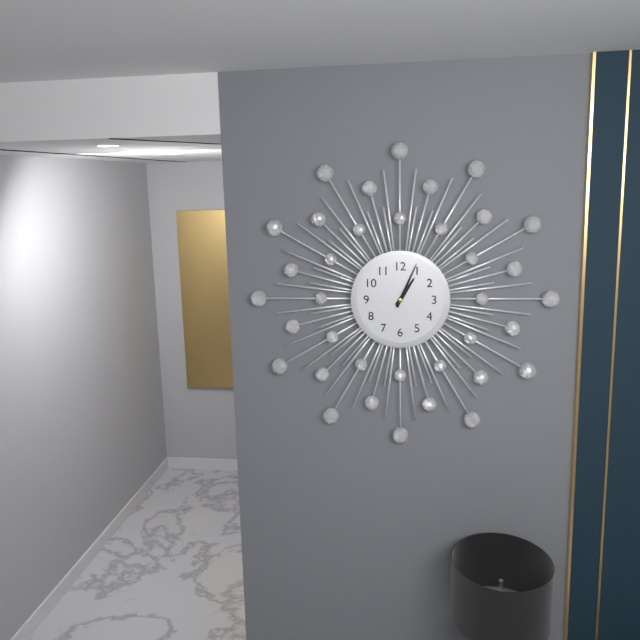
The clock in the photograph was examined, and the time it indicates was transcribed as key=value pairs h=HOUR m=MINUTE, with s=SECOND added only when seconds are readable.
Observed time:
h=1 m=4
